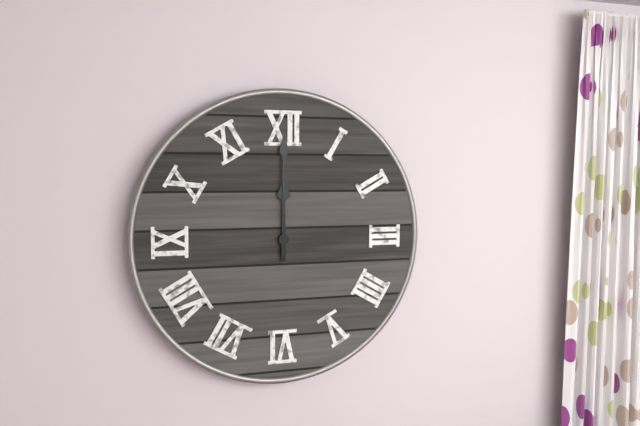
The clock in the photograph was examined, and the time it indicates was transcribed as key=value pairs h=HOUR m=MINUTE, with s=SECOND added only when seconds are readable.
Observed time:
h=12 m=0
